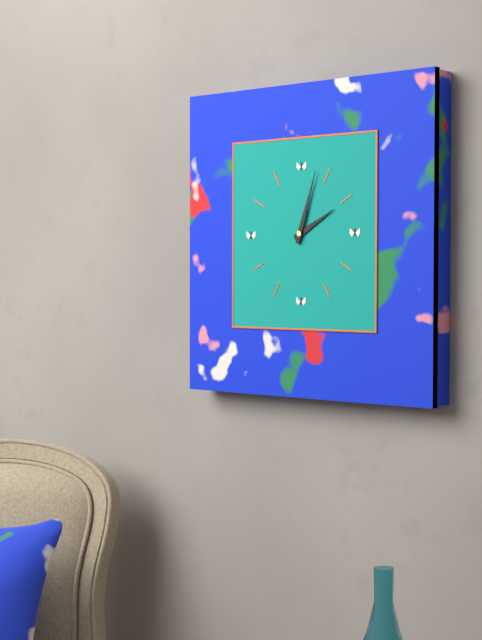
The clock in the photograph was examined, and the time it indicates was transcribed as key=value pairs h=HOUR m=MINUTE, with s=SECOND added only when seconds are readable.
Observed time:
h=2 m=3
